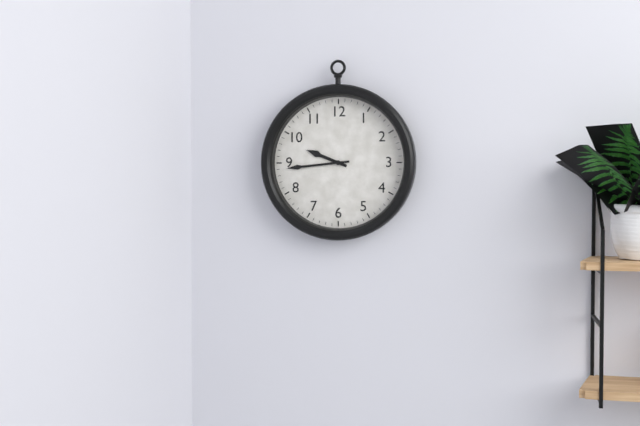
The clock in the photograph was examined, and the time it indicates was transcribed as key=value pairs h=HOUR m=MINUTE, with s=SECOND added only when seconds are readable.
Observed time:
h=9 m=44
